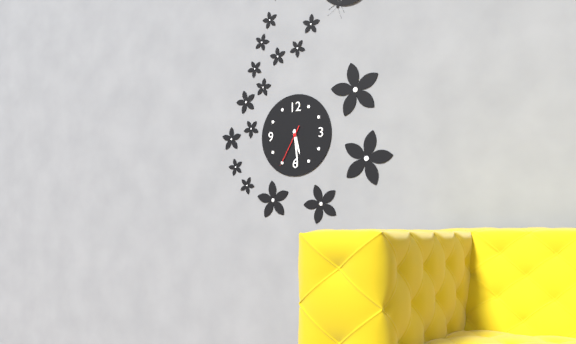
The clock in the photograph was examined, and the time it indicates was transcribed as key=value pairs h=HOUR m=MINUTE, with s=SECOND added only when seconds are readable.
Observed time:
h=5 m=29
